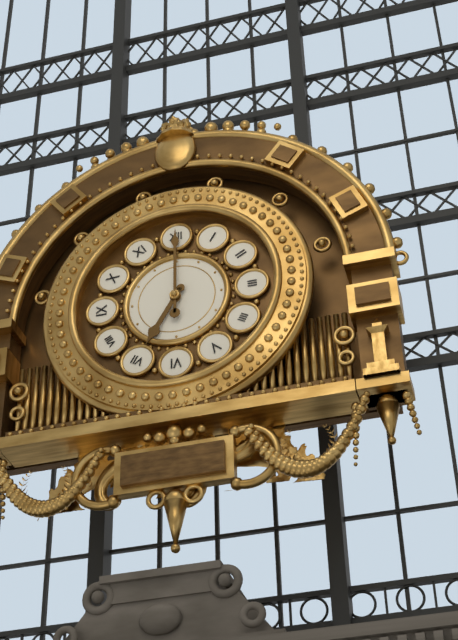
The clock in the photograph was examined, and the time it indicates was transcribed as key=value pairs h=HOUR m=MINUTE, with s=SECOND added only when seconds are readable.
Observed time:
h=7 m=0
